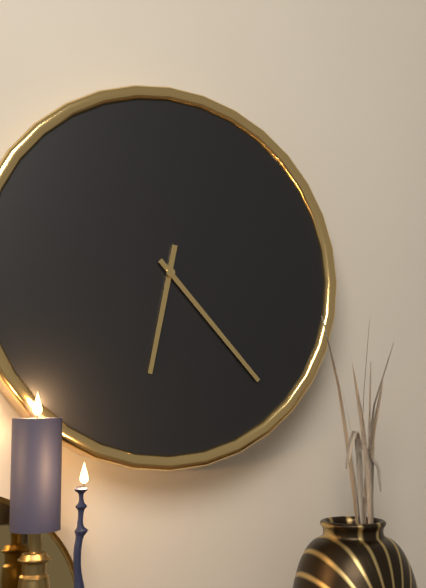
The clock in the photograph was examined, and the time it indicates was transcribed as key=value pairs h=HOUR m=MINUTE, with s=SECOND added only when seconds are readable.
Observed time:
h=6 m=23
